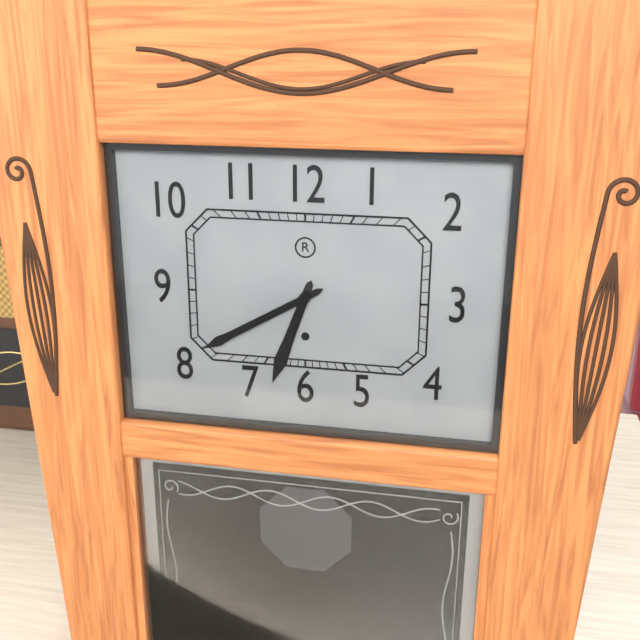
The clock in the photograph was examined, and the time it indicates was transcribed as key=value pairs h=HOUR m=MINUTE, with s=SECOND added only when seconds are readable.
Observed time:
h=6 m=40
